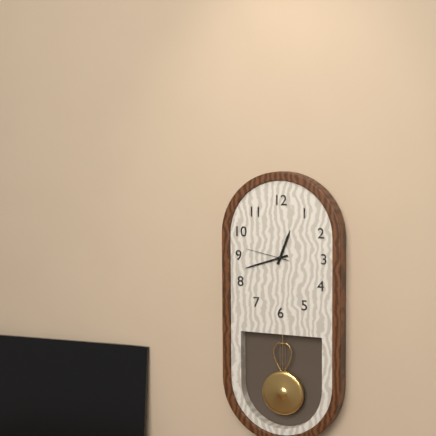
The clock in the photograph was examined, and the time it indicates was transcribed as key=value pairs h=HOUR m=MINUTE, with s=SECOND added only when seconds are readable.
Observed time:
h=12 m=42
